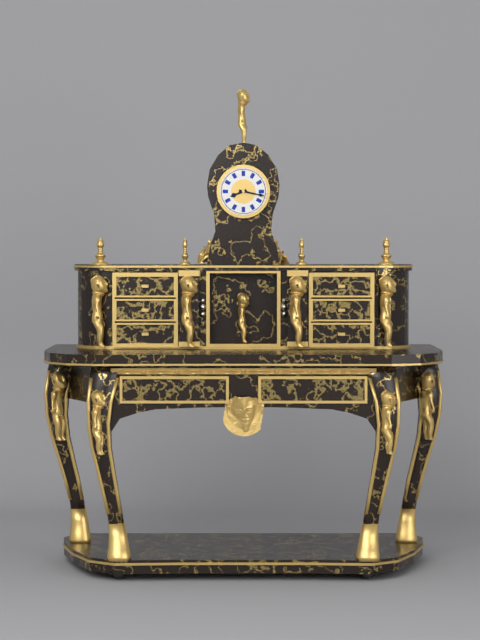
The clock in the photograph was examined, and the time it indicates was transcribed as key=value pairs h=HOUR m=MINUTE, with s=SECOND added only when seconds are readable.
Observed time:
h=8 m=17
